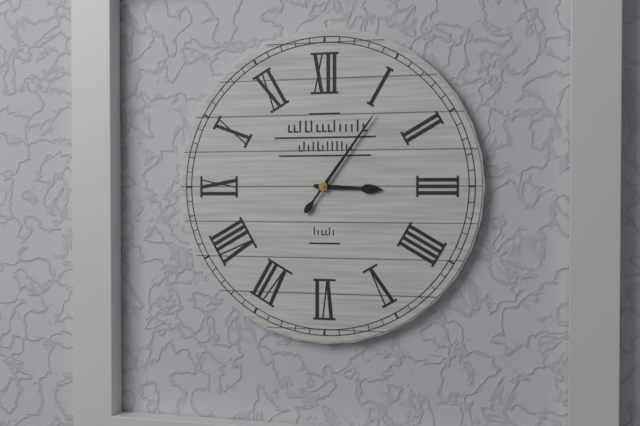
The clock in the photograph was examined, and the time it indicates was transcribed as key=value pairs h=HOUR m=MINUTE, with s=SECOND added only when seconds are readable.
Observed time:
h=3 m=6
